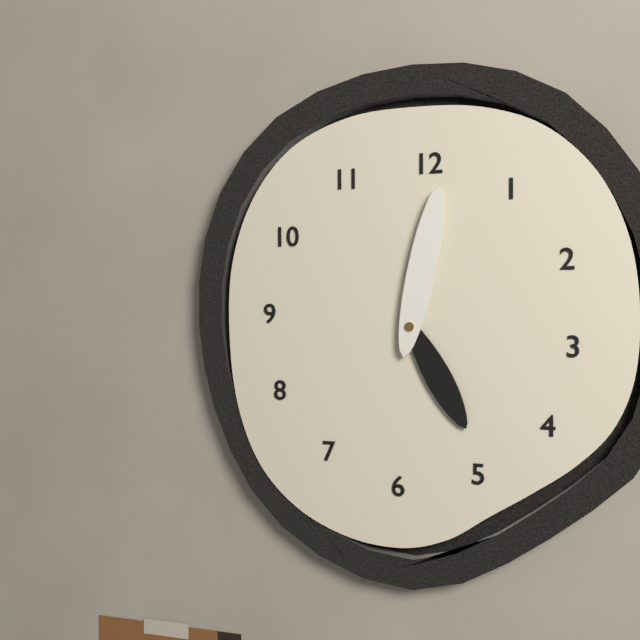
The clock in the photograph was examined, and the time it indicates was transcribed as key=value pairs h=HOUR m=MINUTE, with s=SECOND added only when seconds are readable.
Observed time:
h=5 m=2
